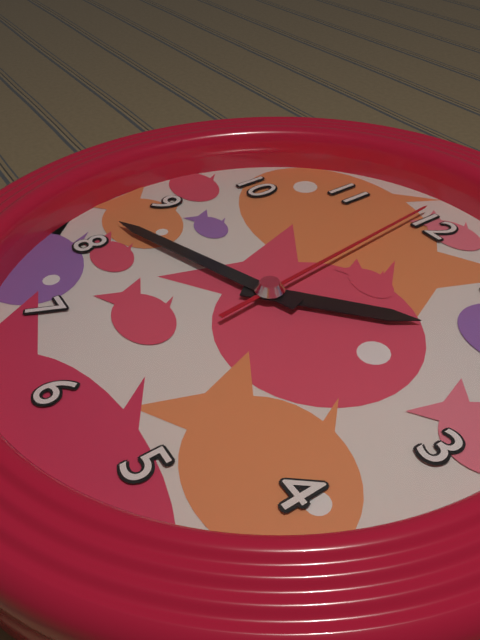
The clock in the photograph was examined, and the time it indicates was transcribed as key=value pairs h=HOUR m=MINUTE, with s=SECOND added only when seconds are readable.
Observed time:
h=1 m=42 s=59
